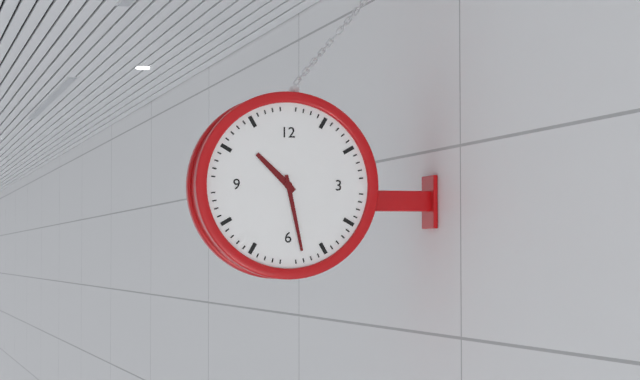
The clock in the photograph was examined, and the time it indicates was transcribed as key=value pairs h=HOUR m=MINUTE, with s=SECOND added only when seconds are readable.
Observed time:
h=10 m=28
